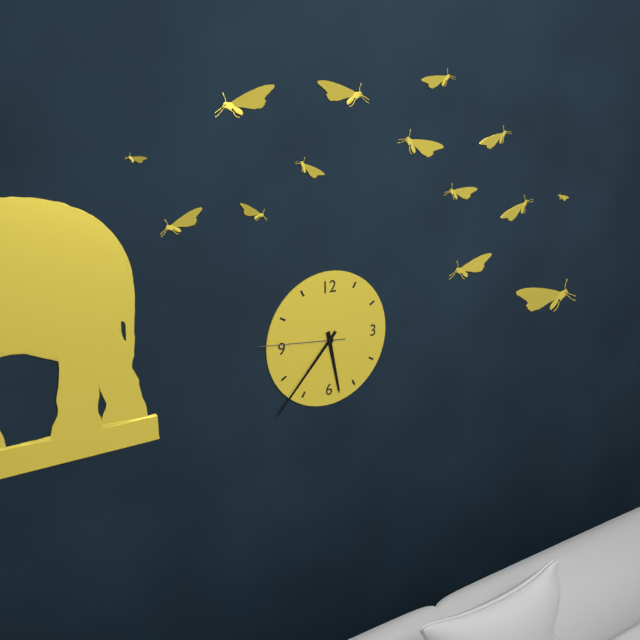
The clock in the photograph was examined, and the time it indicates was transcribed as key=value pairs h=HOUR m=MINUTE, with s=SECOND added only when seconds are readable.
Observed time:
h=5 m=37 s=46
